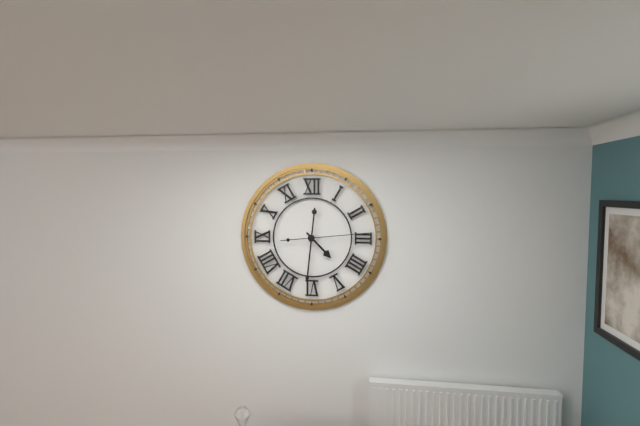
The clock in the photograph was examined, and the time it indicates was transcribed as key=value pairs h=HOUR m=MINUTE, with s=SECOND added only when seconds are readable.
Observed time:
h=4 m=31 s=14
